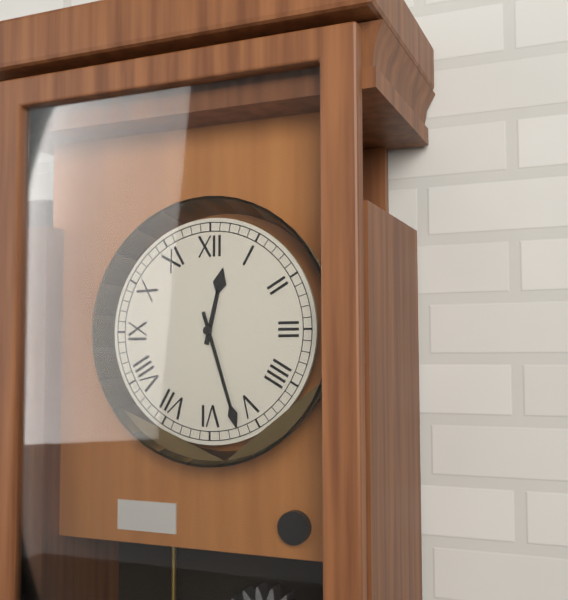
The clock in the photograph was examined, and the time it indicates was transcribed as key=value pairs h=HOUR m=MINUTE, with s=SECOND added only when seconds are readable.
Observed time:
h=12 m=27
